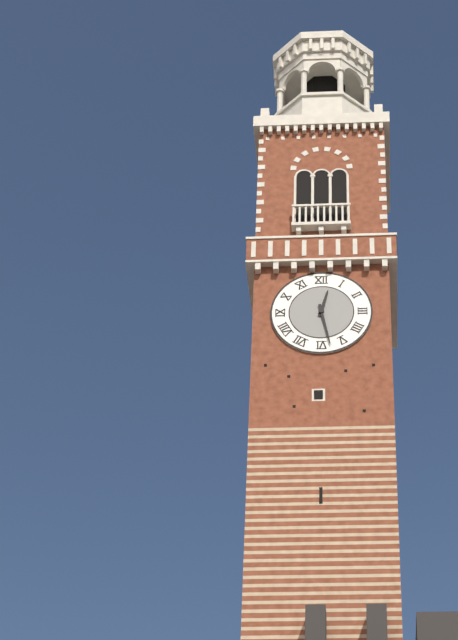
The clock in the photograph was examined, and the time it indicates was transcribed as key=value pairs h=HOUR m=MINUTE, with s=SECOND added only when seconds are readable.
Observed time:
h=12 m=28
